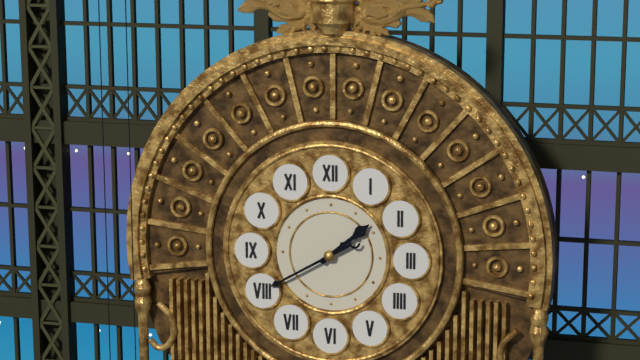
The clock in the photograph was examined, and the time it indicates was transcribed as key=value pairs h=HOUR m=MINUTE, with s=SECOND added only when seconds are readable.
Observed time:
h=1 m=40
